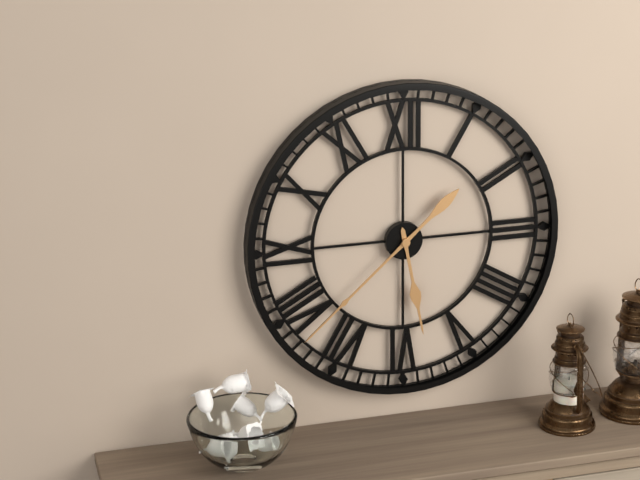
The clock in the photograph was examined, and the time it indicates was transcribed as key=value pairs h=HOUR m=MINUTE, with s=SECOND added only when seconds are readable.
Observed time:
h=5 m=38
